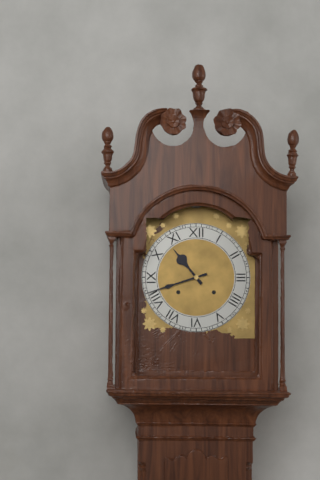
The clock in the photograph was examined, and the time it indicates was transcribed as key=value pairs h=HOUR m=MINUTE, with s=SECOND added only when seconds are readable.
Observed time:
h=10 m=42
